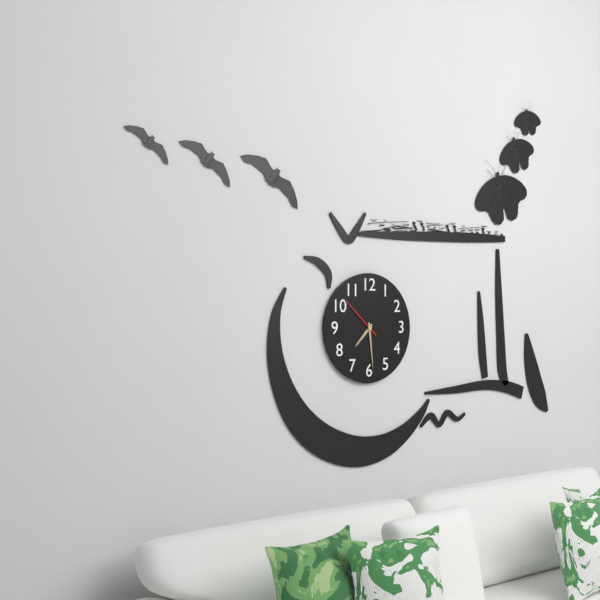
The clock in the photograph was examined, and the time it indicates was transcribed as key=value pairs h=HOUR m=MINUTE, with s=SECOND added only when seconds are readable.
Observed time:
h=7 m=29
